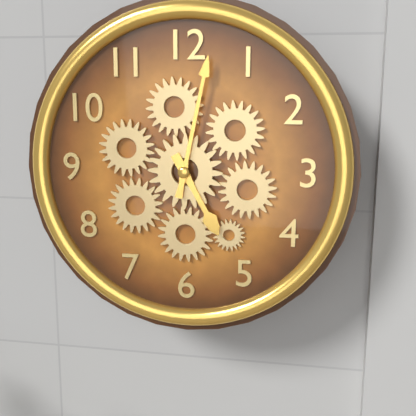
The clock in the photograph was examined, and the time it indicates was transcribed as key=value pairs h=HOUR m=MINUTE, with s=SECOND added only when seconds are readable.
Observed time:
h=5 m=2
